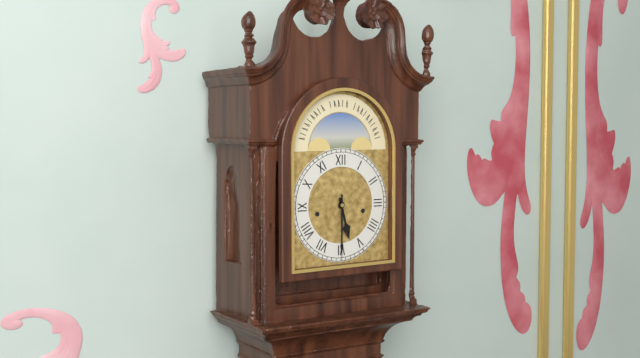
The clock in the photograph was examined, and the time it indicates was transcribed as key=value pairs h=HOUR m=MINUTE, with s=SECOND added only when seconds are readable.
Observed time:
h=5 m=30
